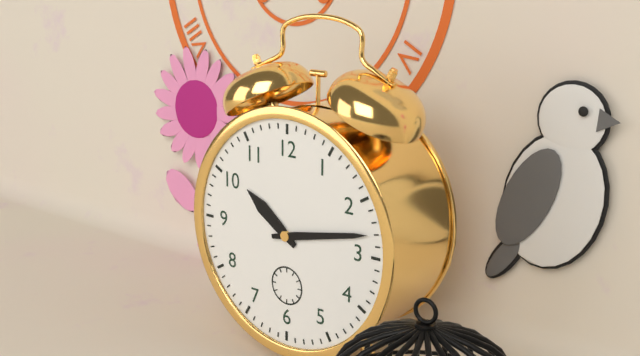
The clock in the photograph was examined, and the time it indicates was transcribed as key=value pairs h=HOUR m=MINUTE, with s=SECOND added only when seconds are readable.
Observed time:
h=10 m=13
